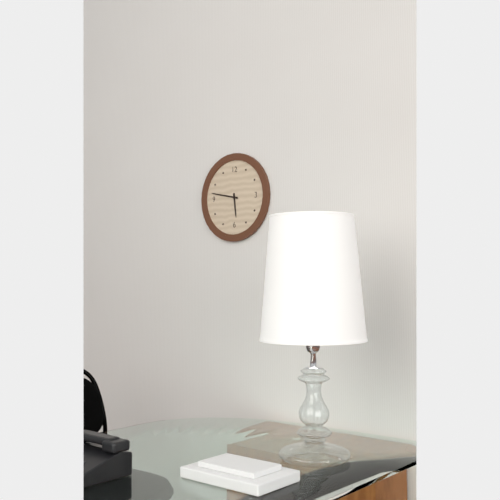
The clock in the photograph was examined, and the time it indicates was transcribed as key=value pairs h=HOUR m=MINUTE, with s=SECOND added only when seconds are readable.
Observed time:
h=5 m=47
